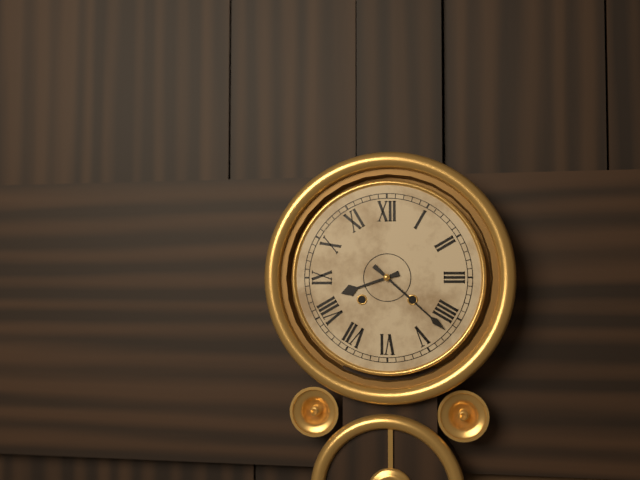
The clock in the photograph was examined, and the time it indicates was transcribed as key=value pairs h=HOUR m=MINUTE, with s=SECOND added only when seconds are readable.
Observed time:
h=8 m=22
